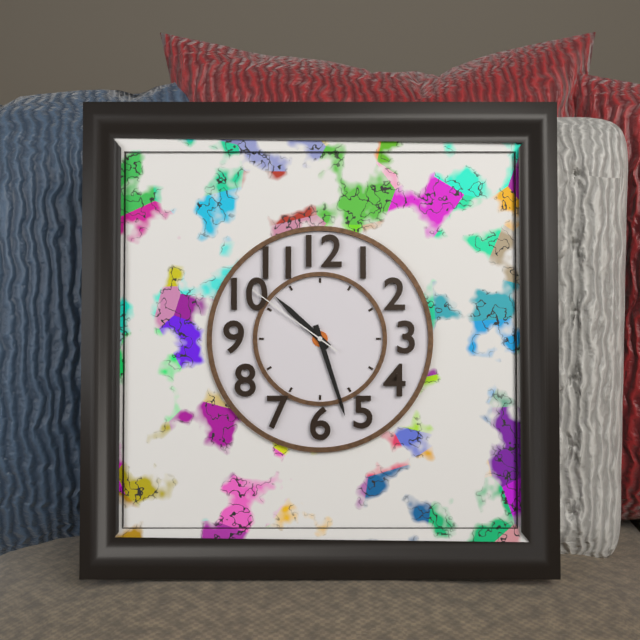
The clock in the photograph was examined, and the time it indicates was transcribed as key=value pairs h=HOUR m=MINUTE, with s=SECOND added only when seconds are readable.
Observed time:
h=10 m=27 s=51
